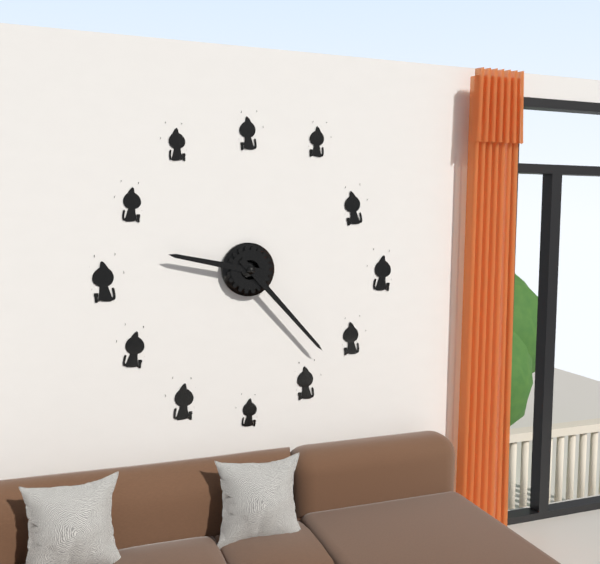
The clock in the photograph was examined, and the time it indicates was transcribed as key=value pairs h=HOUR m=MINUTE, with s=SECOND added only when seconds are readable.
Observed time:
h=9 m=23
